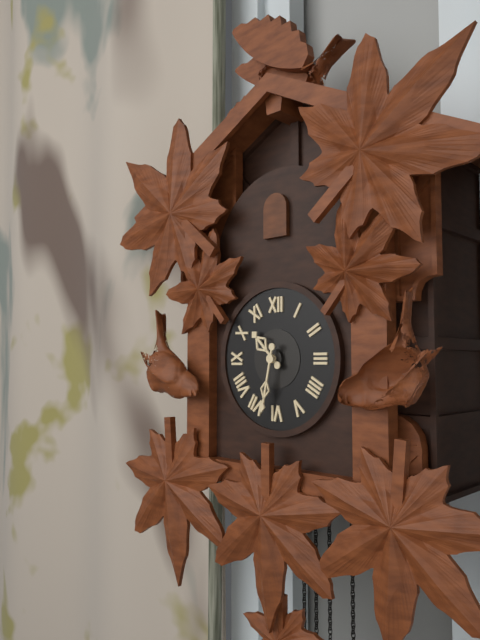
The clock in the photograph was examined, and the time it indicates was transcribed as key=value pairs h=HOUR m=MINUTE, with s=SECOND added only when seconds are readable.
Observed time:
h=10 m=32
